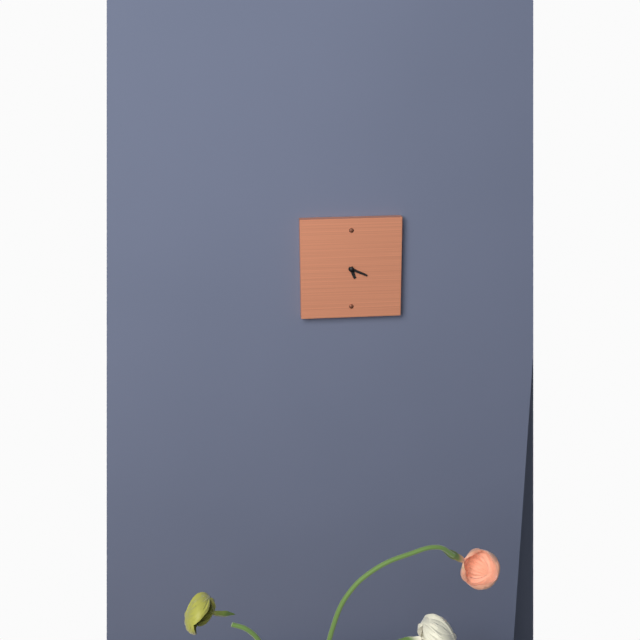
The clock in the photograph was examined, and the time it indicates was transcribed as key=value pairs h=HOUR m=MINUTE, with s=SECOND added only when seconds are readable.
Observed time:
h=5 m=19
